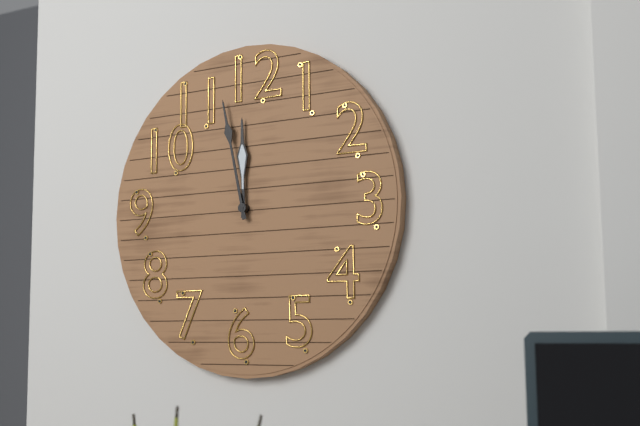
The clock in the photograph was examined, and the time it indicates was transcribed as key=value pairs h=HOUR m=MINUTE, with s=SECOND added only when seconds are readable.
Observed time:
h=11 m=58
